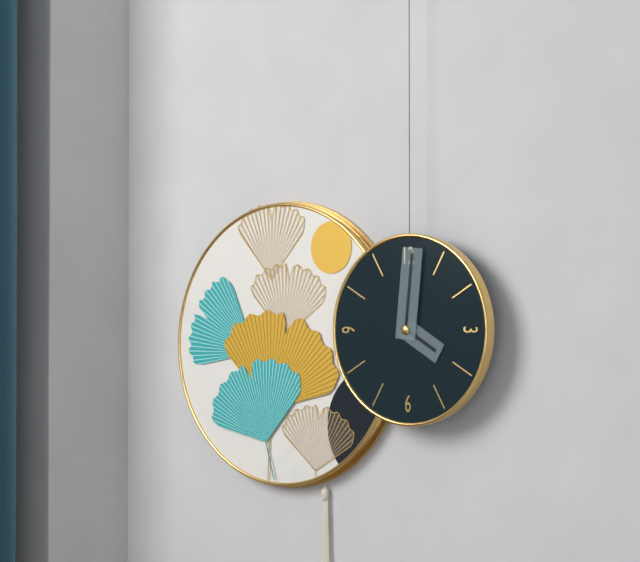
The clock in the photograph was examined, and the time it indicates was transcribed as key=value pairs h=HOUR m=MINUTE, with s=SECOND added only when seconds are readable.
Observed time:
h=4 m=1
